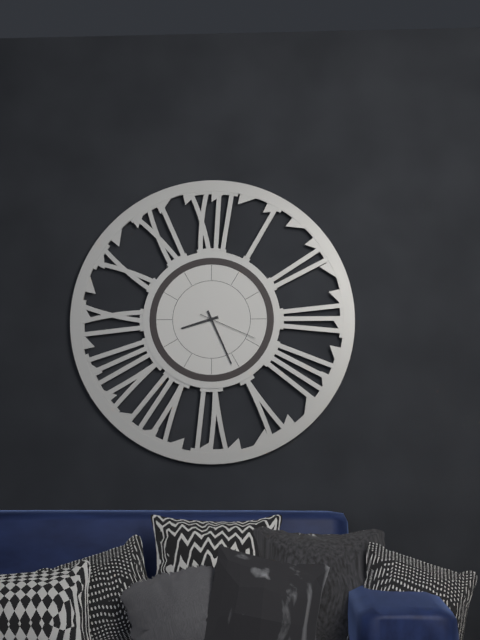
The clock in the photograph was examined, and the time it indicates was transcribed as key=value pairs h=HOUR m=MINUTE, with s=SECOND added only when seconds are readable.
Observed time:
h=8 m=26 s=19
